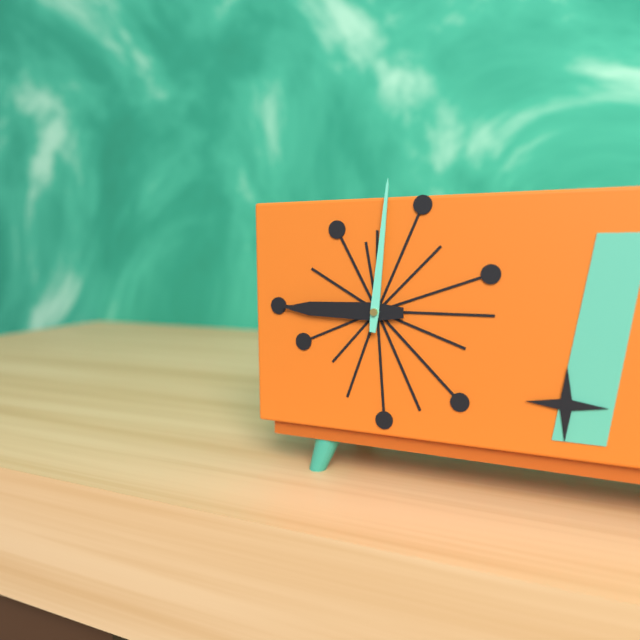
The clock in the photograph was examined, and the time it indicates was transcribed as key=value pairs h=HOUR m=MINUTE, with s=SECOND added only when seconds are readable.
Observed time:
h=9 m=1
